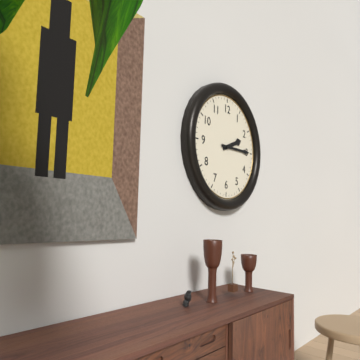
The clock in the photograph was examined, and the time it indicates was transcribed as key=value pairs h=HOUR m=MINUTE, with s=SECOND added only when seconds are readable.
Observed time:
h=2 m=15
